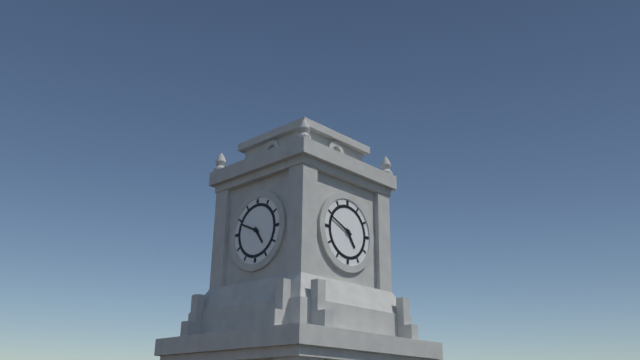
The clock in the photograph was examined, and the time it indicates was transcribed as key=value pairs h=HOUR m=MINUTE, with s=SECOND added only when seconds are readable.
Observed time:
h=4 m=49
